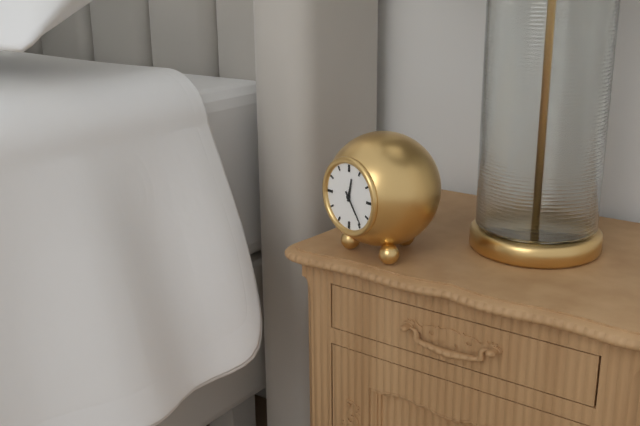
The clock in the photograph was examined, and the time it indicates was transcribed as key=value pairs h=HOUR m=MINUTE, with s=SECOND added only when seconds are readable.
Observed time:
h=12 m=24
